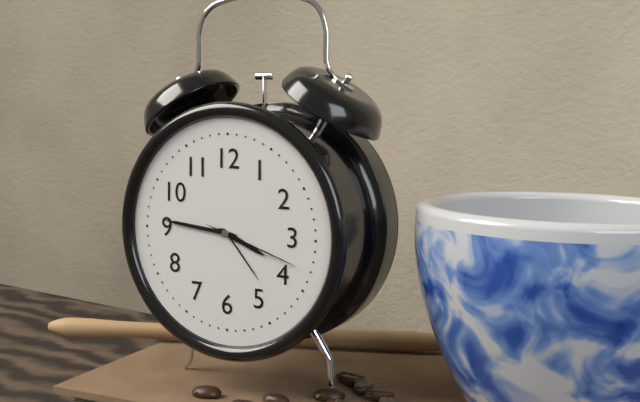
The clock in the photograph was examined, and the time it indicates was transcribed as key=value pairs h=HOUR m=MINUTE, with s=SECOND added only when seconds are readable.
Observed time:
h=3 m=46 s=18
